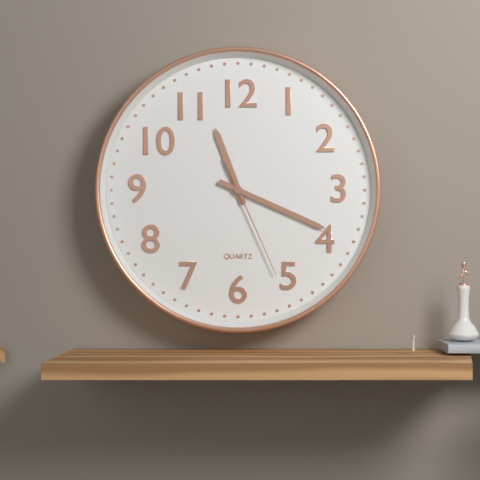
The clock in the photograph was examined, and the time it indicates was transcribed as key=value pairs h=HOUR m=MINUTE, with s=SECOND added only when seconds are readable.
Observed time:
h=11 m=19 s=26
